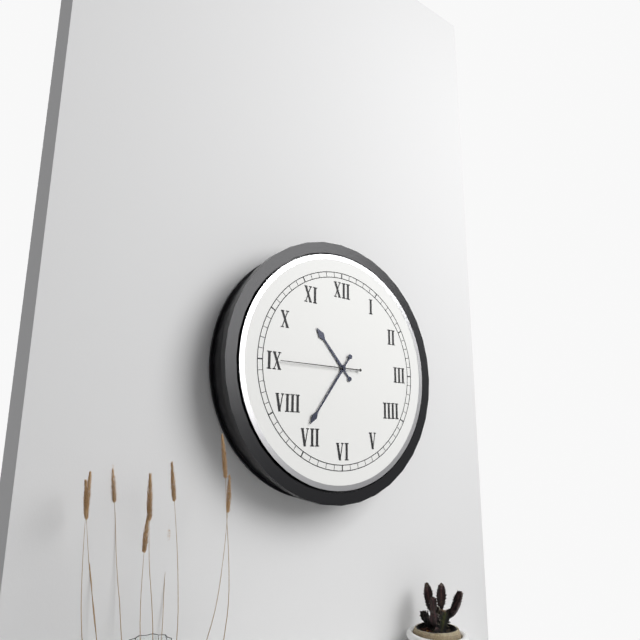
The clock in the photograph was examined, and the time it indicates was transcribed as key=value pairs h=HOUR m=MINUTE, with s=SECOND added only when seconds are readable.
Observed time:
h=10 m=36 s=45
